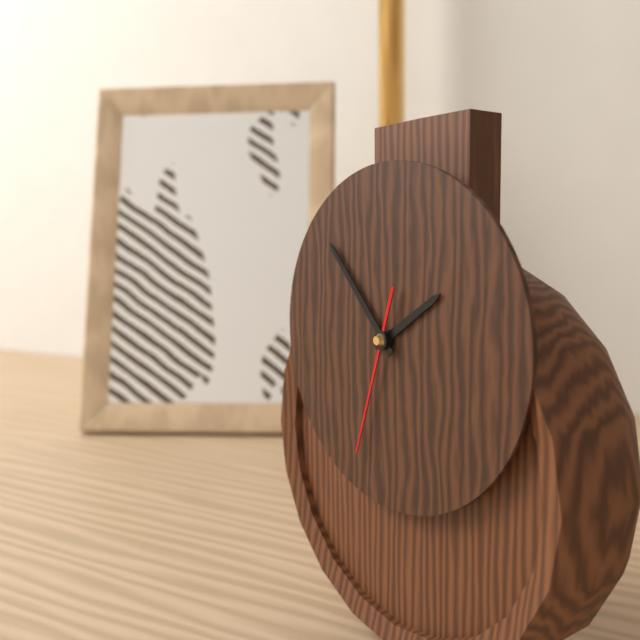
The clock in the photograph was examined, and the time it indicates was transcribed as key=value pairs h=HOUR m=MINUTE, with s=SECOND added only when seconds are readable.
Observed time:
h=1 m=53 s=33
